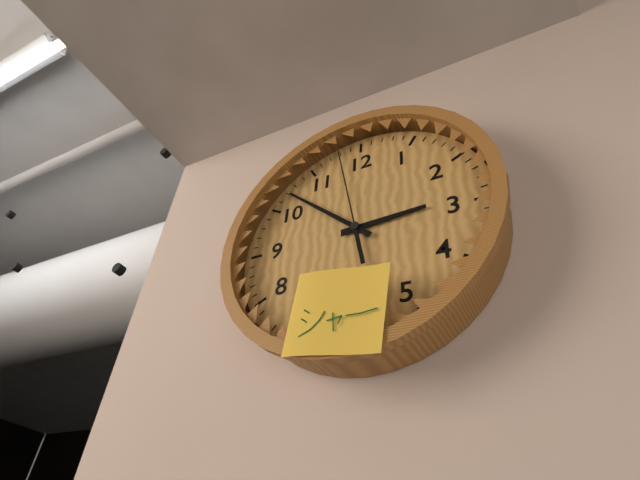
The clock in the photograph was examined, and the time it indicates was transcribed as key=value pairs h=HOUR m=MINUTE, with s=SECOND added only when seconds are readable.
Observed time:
h=2 m=52 s=58
